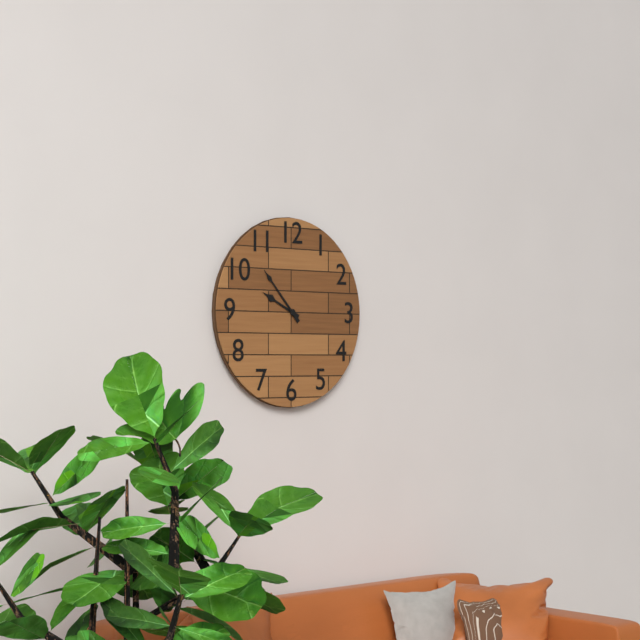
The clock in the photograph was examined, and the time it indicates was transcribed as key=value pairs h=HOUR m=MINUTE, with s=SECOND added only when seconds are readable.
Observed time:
h=9 m=53
